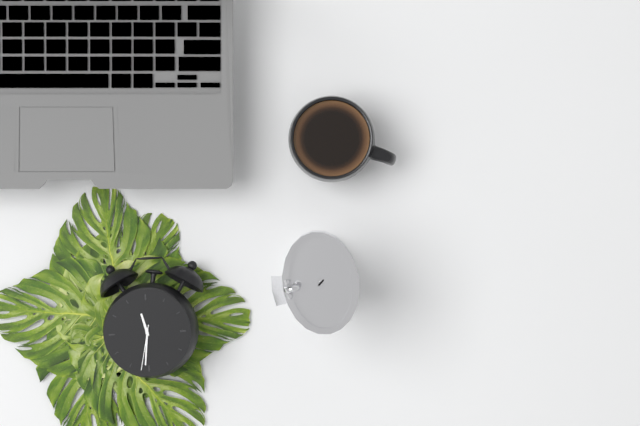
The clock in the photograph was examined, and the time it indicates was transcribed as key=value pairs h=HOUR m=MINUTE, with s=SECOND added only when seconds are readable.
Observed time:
h=11 m=31
